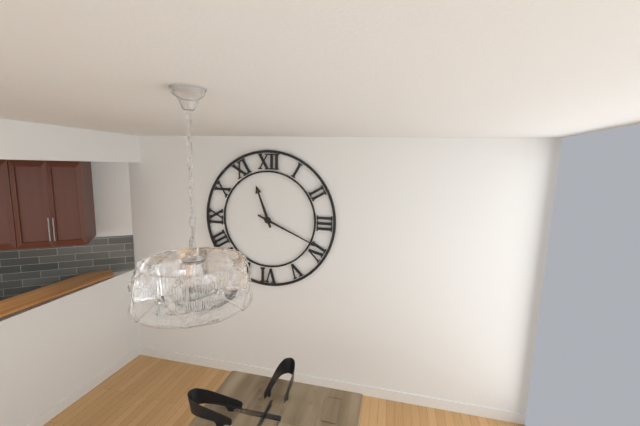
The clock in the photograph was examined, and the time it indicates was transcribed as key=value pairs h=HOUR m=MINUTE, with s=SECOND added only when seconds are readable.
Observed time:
h=11 m=19
